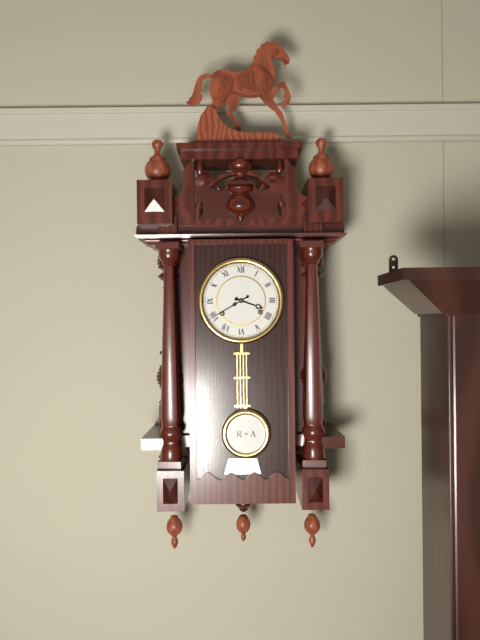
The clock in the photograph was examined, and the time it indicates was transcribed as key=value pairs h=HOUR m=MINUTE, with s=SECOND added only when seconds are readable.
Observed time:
h=3 m=40
